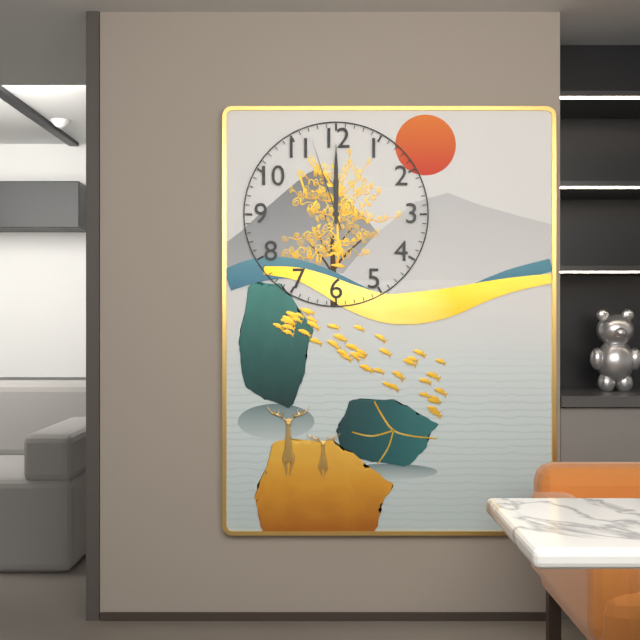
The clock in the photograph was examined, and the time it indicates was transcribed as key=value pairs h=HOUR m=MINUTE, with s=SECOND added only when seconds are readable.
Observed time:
h=12 m=0 s=57
